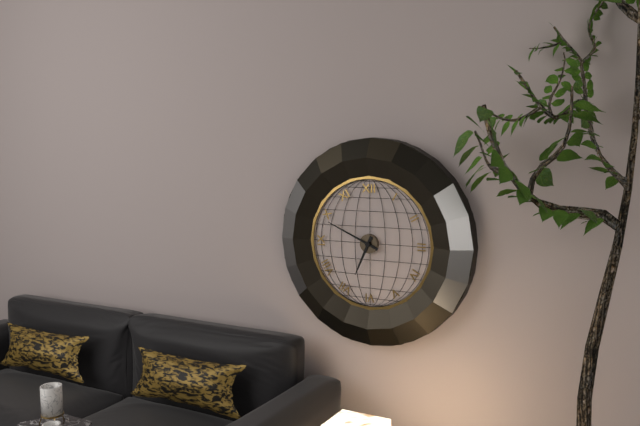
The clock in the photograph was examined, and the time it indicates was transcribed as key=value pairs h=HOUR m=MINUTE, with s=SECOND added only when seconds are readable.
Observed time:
h=6 m=49
